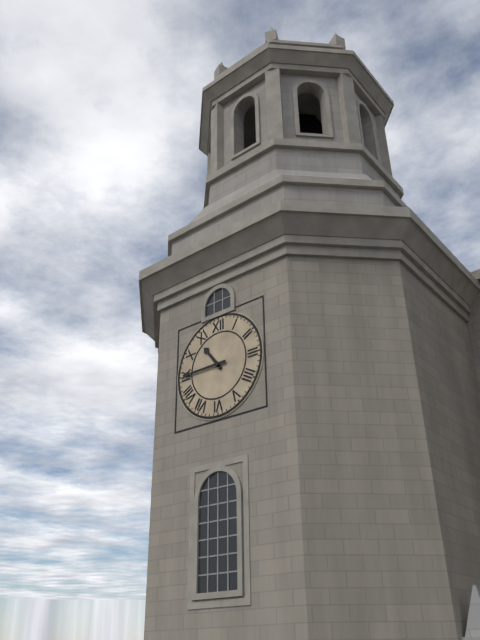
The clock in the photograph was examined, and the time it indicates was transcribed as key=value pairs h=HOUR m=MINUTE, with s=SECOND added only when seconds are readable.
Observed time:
h=10 m=45
